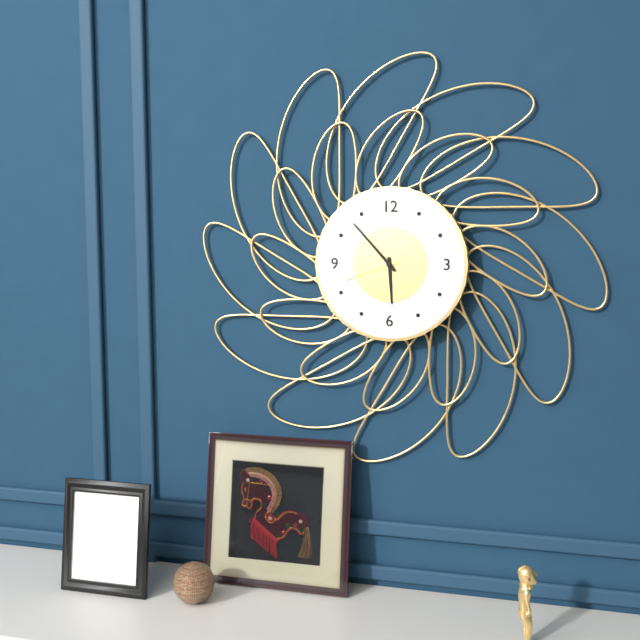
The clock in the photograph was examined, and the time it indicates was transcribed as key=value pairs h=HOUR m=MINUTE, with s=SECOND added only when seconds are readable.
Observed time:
h=5 m=53 s=42
